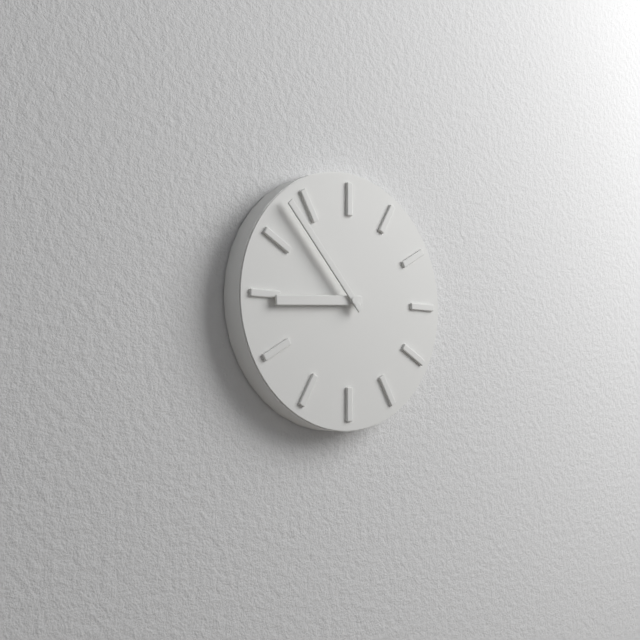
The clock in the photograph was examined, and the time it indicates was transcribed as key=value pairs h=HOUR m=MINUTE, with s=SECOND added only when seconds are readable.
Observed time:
h=8 m=53
